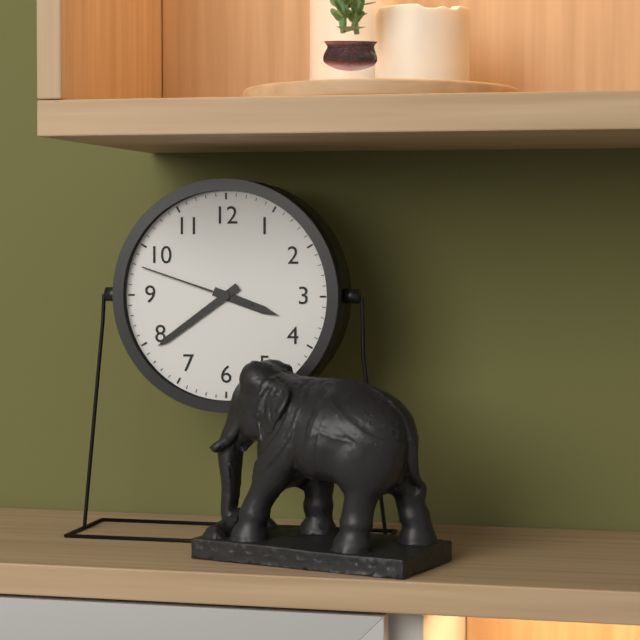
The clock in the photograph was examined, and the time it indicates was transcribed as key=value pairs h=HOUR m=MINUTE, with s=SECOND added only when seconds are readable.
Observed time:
h=3 m=39 s=48
